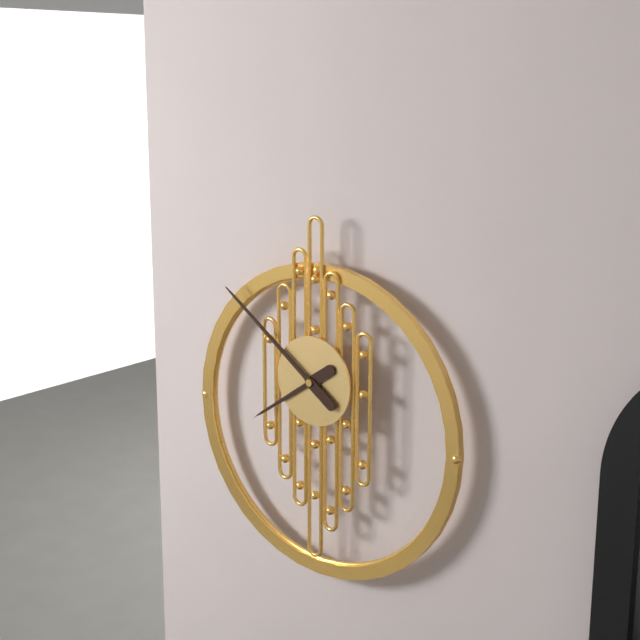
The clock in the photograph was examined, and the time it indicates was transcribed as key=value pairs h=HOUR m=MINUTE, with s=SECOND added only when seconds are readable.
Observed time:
h=7 m=51
